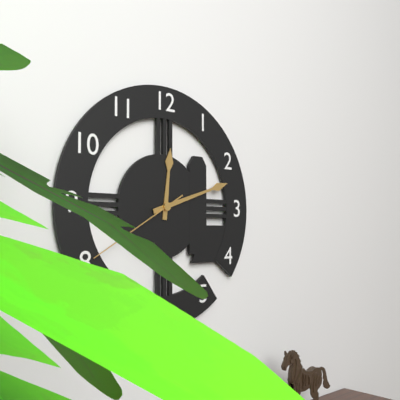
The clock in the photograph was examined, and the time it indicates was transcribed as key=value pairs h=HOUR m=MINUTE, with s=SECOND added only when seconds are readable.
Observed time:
h=12 m=12 s=40
